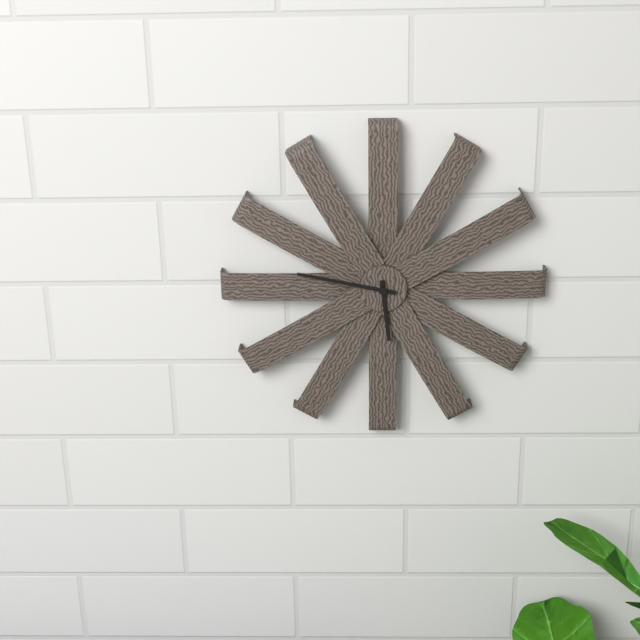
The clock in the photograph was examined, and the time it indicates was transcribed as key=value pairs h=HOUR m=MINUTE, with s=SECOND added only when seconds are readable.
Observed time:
h=5 m=47
